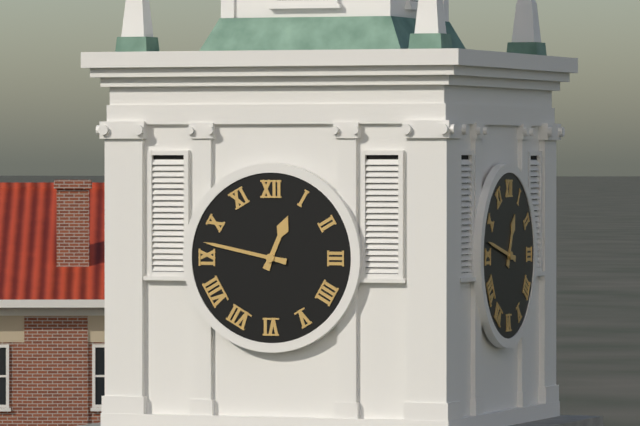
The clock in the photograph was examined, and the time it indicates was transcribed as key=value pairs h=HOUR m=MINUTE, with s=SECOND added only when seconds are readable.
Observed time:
h=12 m=47
